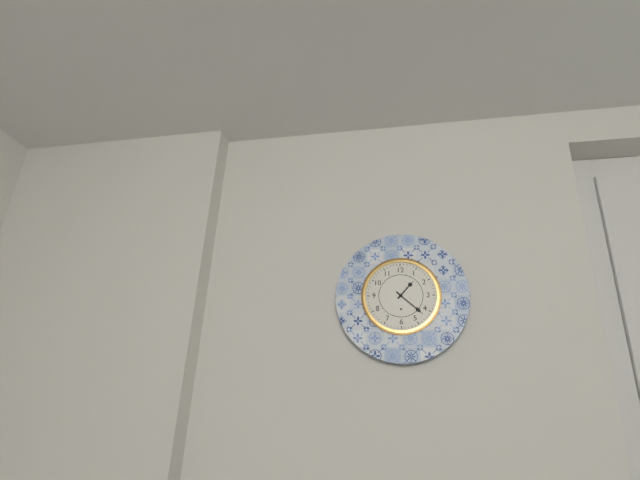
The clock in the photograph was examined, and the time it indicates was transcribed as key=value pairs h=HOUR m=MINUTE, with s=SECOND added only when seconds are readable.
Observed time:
h=1 m=22
